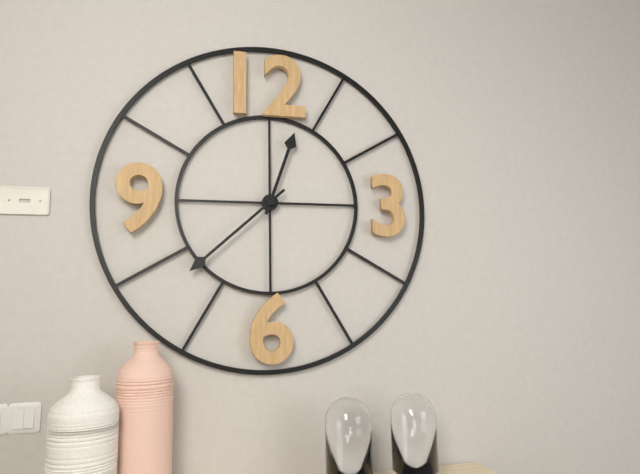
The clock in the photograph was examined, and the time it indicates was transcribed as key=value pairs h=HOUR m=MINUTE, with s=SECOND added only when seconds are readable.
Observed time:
h=12 m=38
